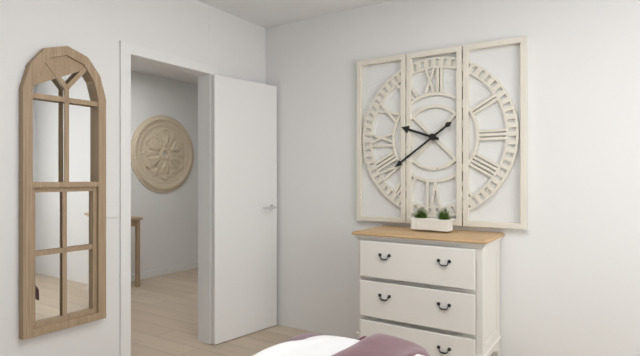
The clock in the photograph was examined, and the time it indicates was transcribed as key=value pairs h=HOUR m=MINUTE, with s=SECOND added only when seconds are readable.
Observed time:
h=9 m=39
